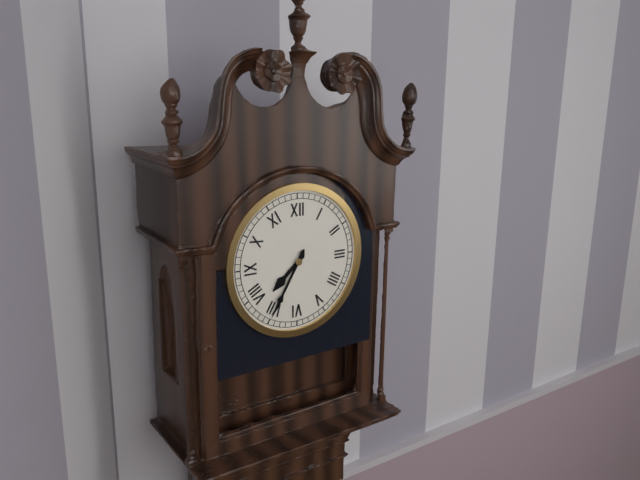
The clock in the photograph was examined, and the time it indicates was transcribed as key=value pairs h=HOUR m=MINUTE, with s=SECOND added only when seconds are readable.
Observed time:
h=7 m=35
